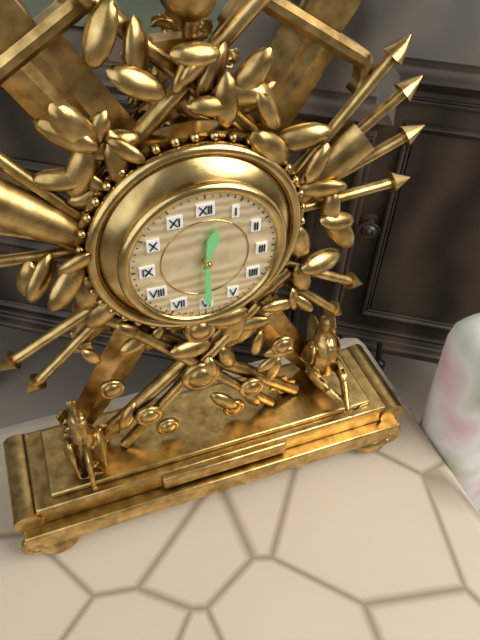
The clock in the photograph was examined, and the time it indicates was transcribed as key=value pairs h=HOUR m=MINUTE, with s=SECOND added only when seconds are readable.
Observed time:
h=12 m=30
